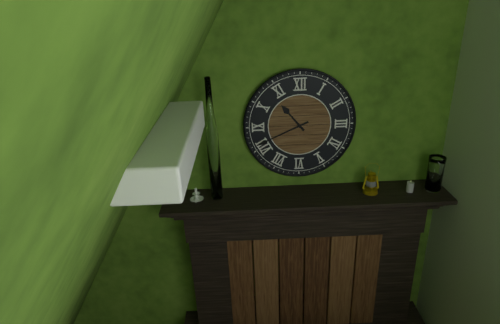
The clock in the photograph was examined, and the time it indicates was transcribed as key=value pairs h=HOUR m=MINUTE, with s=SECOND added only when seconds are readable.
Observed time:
h=10 m=41
